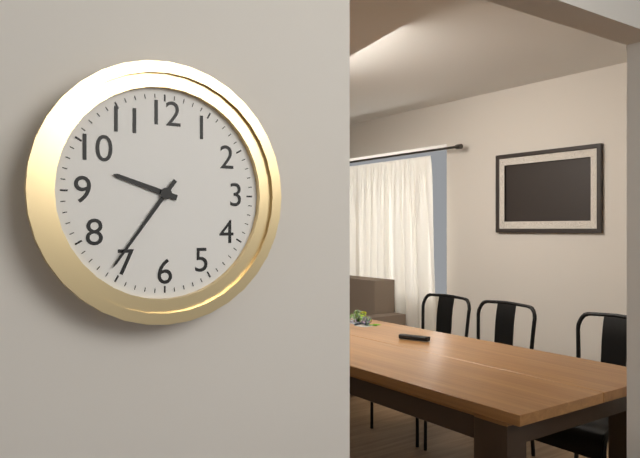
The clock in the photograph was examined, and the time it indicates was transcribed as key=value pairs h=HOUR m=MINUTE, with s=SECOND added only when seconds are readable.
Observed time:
h=9 m=36
